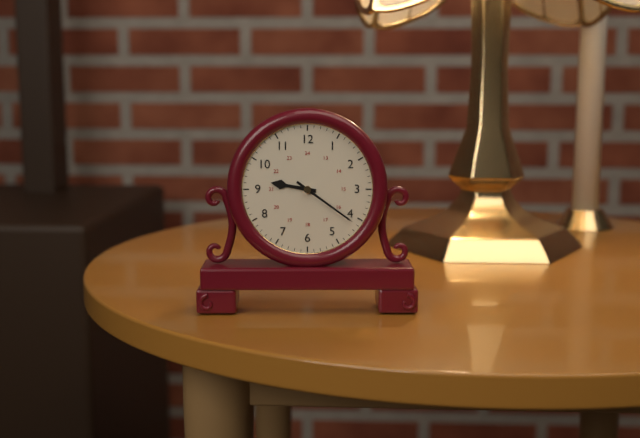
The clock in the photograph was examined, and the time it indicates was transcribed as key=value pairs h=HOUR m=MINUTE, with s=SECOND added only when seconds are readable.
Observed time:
h=9 m=21
